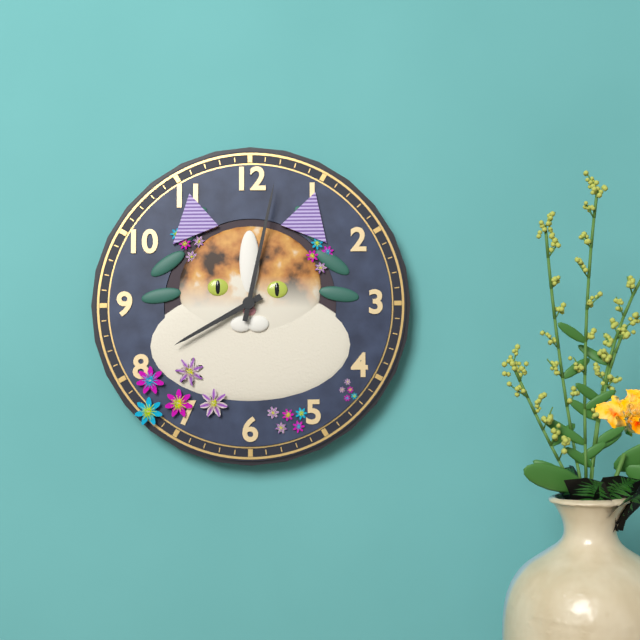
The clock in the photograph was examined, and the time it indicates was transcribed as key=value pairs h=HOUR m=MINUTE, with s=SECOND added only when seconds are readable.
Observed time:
h=8 m=2
